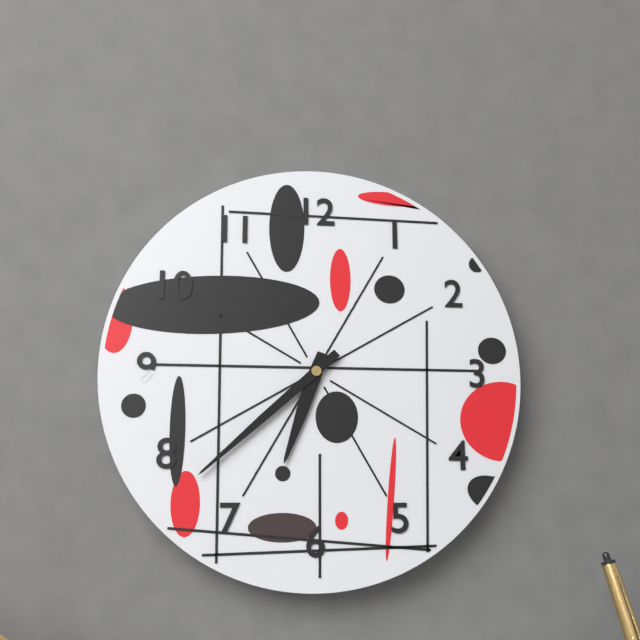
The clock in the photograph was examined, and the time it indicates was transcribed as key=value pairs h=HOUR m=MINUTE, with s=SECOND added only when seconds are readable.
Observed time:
h=6 m=38
